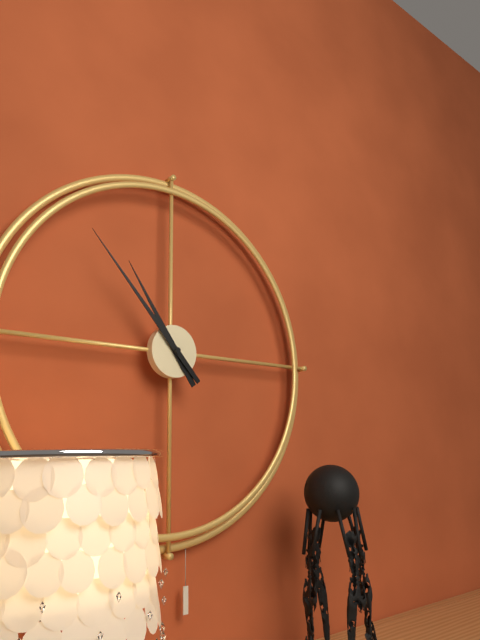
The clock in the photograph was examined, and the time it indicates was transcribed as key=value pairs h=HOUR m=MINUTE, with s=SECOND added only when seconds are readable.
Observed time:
h=10 m=53
